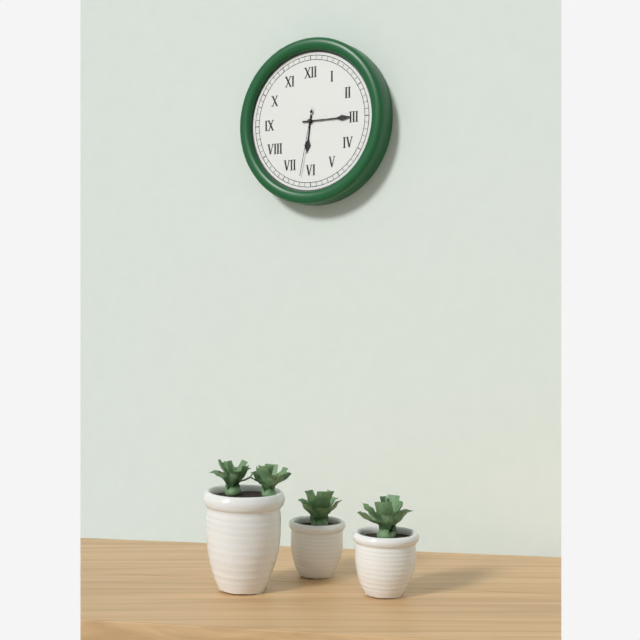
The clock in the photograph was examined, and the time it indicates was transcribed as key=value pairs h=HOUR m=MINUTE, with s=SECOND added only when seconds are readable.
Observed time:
h=6 m=15 s=32
